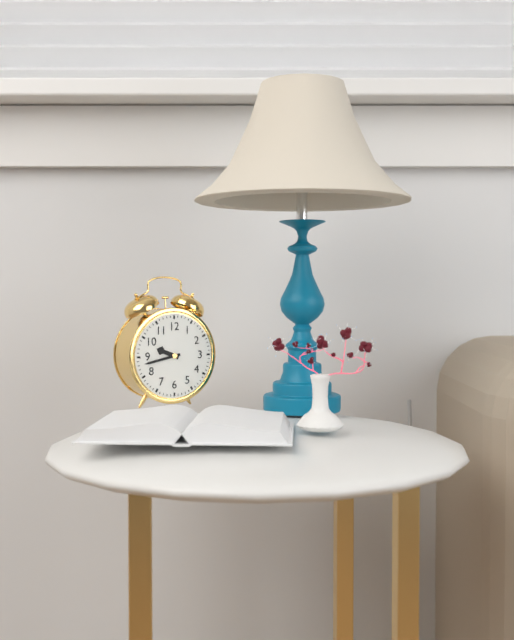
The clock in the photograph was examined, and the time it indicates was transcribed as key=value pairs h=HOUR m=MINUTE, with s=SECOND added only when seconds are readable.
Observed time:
h=9 m=43
